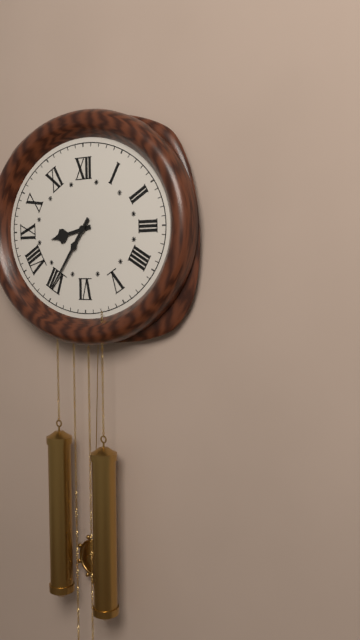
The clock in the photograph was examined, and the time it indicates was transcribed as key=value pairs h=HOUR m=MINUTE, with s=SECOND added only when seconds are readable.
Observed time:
h=8 m=36
